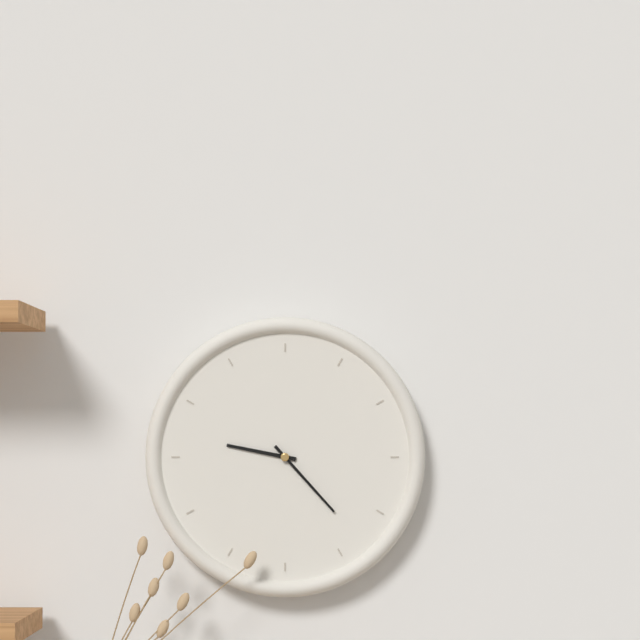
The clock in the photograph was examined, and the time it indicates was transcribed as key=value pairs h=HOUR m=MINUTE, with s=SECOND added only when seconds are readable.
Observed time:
h=9 m=23
